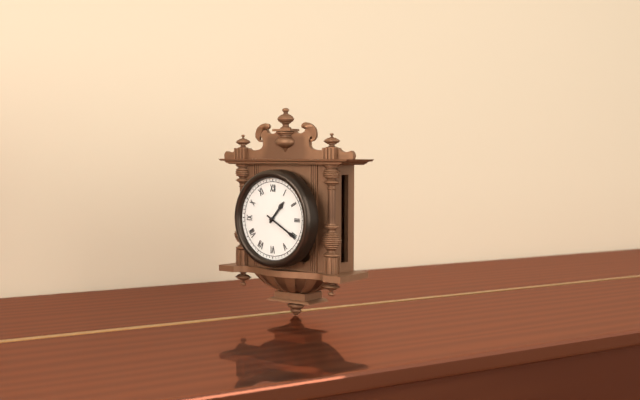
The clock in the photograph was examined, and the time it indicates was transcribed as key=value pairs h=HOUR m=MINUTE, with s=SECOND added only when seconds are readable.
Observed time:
h=1 m=20
